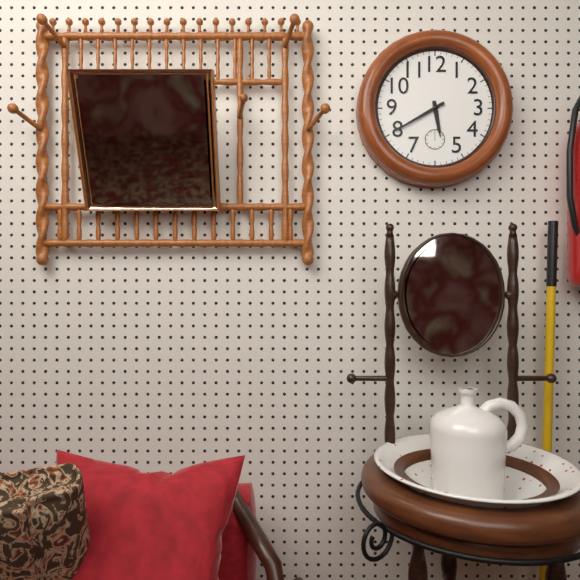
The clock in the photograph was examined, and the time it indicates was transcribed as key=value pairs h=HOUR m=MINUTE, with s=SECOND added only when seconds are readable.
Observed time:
h=5 m=40
